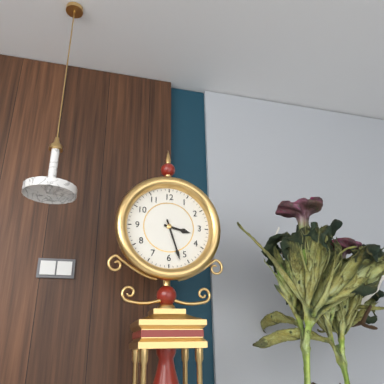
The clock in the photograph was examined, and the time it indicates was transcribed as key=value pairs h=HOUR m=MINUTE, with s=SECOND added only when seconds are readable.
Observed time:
h=3 m=27
